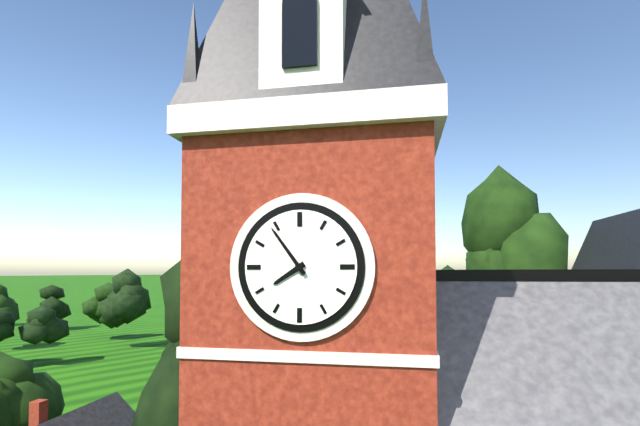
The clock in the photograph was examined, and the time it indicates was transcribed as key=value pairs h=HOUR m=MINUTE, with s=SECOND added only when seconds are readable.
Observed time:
h=7 m=54
